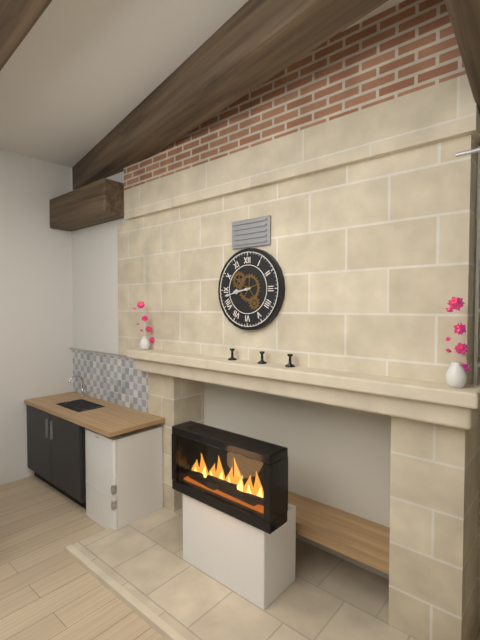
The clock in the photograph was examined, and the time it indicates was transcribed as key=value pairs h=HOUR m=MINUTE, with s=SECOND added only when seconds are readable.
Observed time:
h=8 m=43
